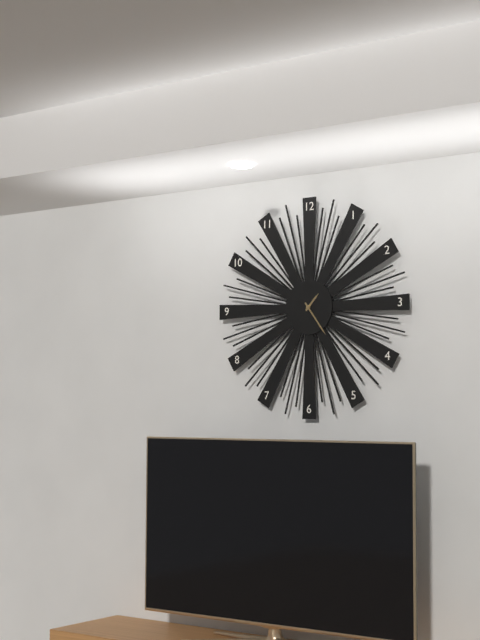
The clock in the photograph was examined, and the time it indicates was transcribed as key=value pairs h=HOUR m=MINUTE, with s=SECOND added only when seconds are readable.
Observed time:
h=1 m=24
